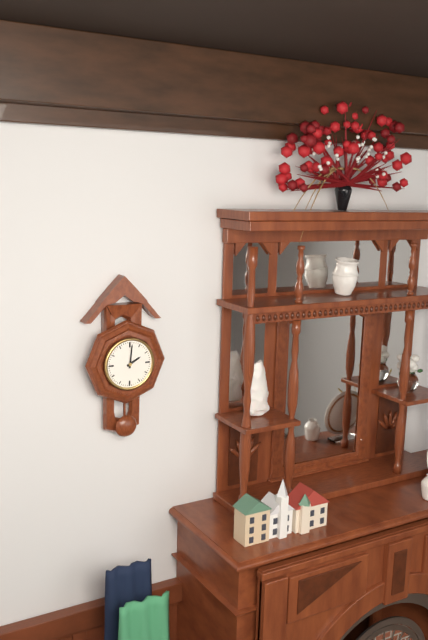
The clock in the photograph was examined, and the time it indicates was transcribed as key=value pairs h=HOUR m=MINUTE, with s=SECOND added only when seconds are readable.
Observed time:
h=2 m=1
